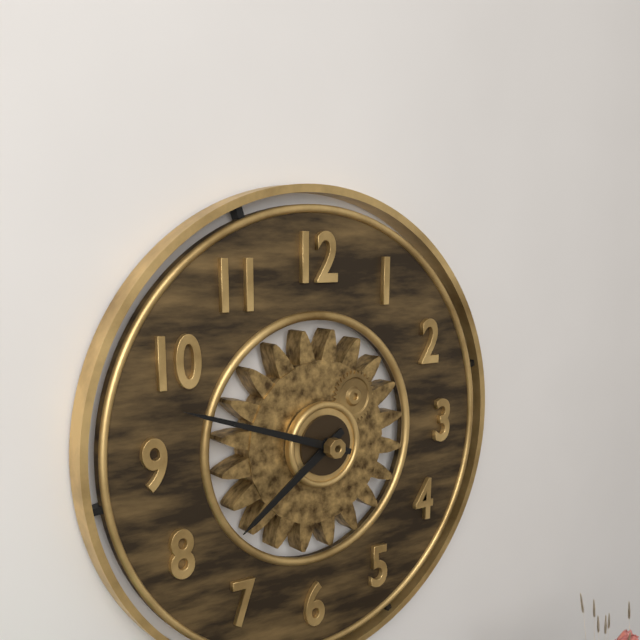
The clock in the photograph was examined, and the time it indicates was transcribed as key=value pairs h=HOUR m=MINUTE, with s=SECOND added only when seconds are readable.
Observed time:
h=7 m=48
